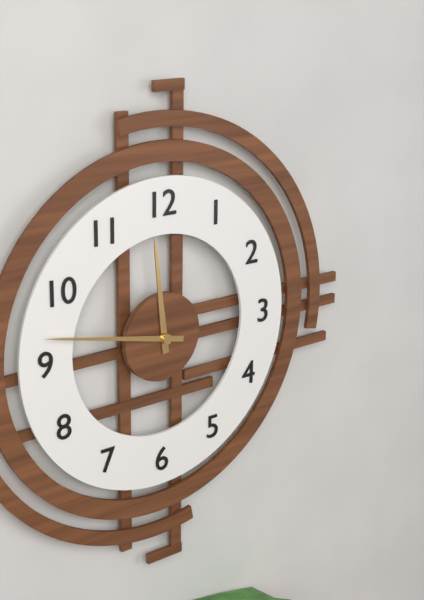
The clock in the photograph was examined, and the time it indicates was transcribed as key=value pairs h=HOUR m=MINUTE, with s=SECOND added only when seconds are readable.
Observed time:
h=11 m=47
